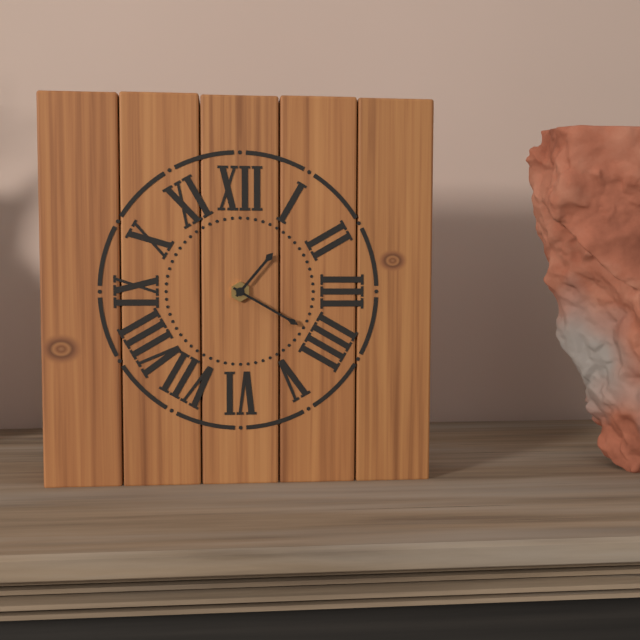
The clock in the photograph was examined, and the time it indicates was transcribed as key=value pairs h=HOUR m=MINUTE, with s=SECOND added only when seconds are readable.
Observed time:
h=1 m=20
